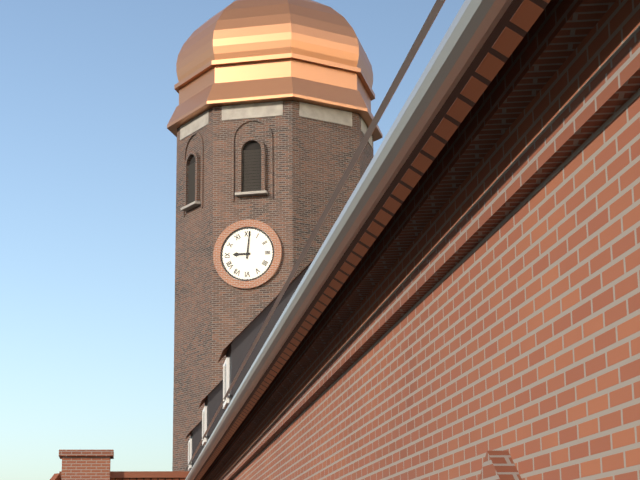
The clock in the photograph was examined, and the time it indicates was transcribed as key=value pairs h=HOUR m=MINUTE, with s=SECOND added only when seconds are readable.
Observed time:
h=9 m=1
